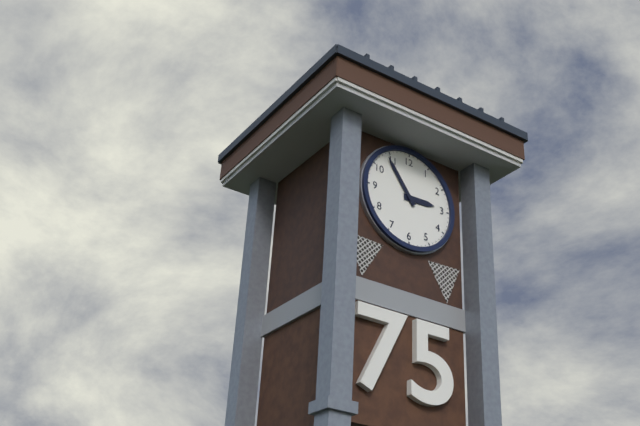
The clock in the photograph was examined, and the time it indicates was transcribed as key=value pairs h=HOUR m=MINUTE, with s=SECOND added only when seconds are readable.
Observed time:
h=2 m=54
